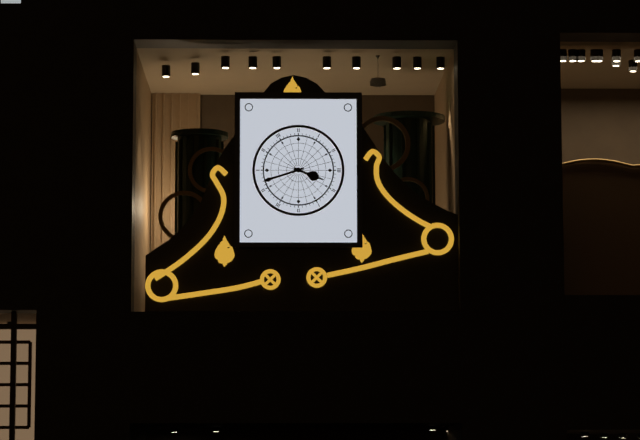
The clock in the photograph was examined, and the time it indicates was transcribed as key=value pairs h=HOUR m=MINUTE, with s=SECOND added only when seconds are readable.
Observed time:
h=3 m=42
